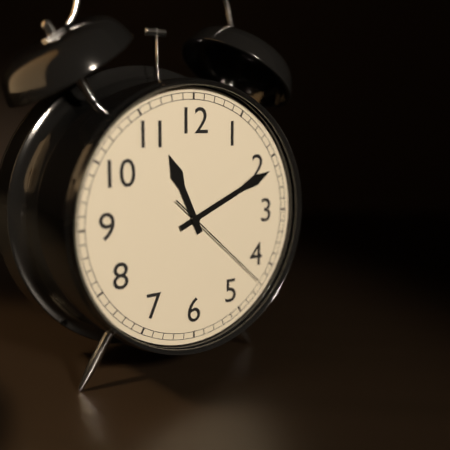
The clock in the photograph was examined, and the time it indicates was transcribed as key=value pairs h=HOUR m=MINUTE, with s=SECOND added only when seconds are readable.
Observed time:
h=11 m=11 s=22
